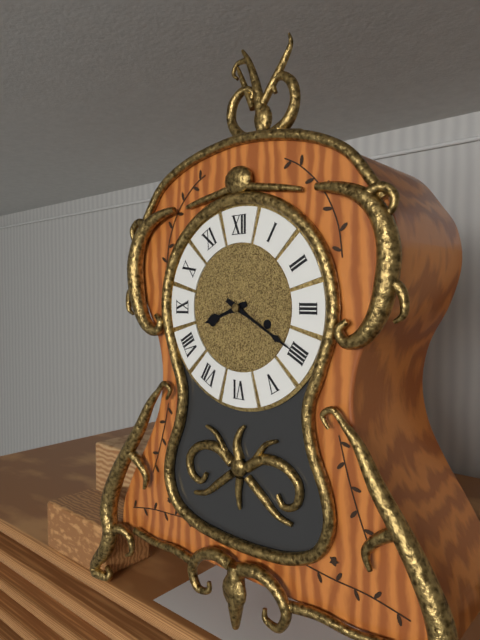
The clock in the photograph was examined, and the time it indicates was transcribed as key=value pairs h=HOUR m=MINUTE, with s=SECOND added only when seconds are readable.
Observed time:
h=8 m=20
